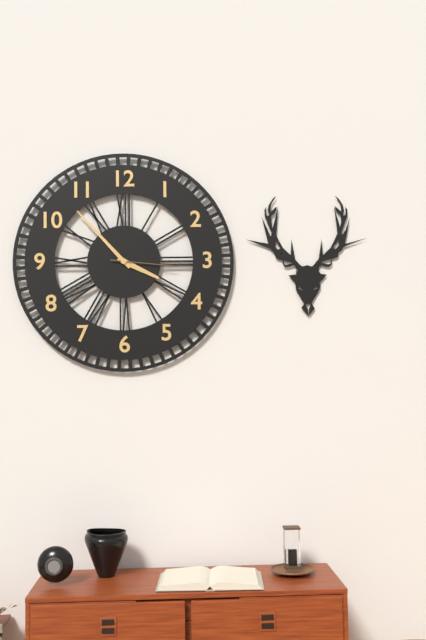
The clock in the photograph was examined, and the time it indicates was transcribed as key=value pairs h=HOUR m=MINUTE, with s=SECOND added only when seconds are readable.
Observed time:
h=3 m=53 s=16
